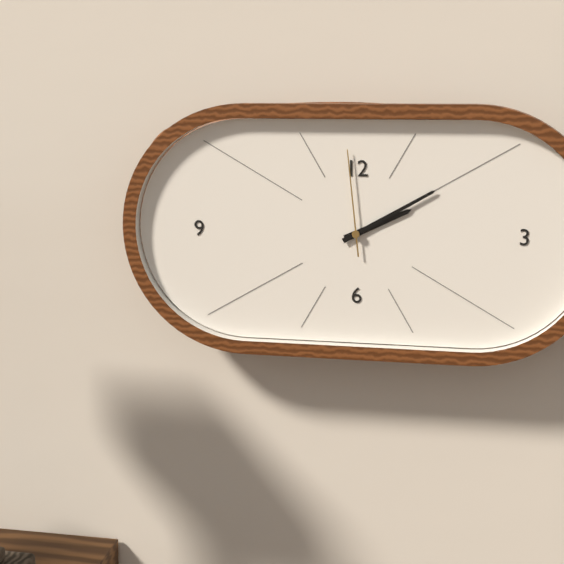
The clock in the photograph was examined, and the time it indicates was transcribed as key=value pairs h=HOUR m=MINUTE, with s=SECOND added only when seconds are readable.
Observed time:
h=2 m=10 s=59
